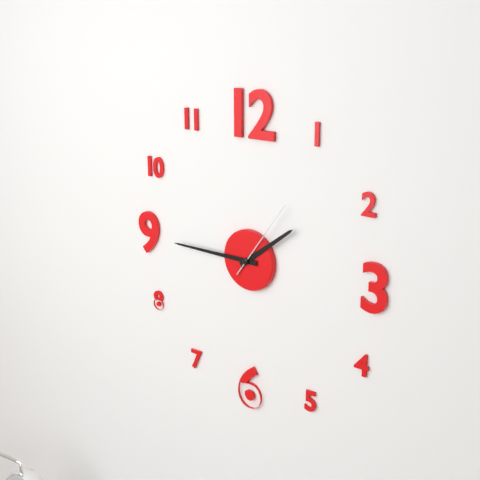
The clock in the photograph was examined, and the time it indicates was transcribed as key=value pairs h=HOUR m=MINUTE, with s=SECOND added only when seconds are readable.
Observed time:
h=1 m=45 s=6
